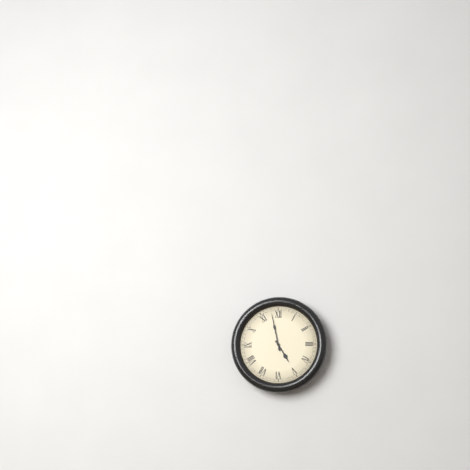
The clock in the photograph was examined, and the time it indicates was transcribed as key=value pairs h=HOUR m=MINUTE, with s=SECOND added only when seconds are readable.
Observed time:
h=4 m=58
